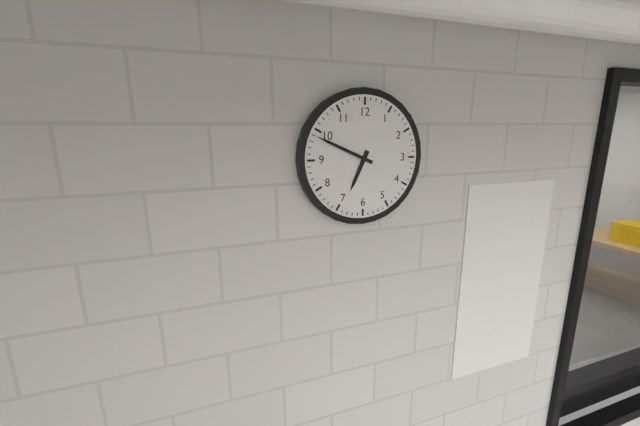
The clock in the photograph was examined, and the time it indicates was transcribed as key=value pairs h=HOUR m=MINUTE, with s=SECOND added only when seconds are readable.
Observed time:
h=6 m=49
